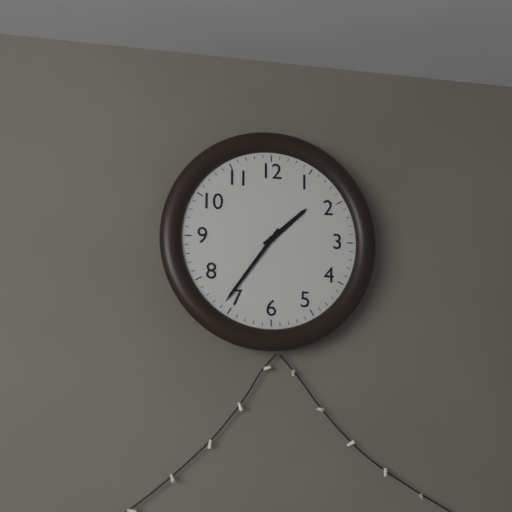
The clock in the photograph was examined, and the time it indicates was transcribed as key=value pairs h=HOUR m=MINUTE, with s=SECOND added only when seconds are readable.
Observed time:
h=1 m=36
